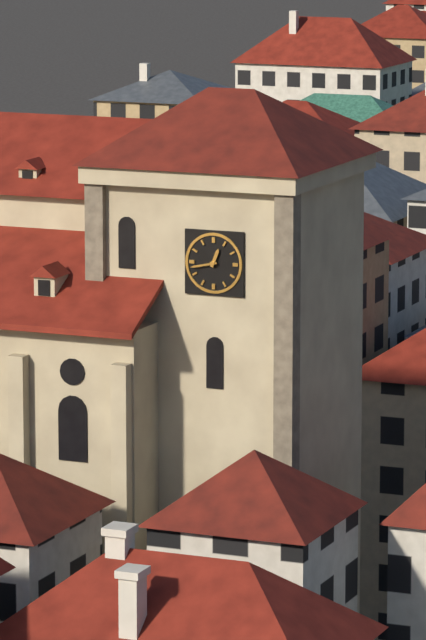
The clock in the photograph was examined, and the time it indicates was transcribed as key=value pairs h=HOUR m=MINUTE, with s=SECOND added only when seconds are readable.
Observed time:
h=12 m=43
